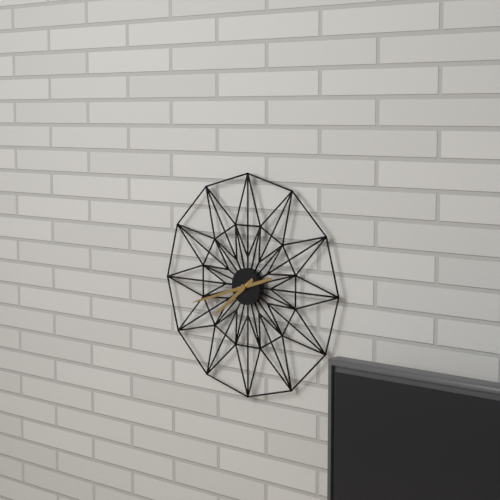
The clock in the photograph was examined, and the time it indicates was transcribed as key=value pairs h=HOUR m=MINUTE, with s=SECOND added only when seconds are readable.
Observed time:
h=7 m=42
